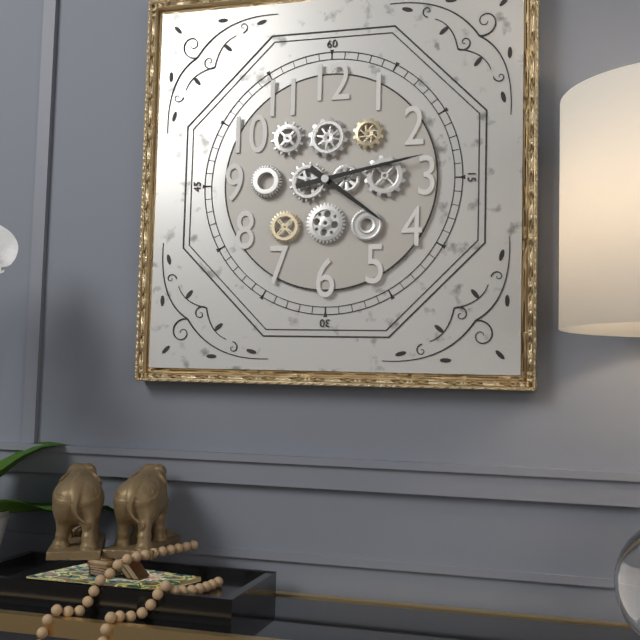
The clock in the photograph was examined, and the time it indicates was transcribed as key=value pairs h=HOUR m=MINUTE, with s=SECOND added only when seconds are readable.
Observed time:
h=4 m=13
